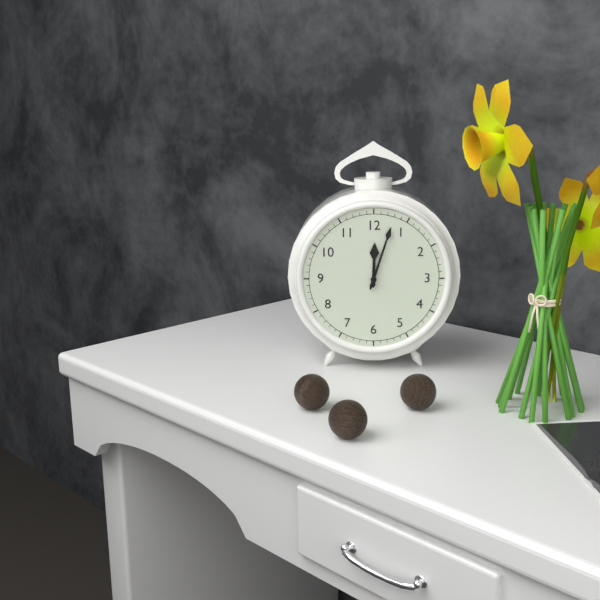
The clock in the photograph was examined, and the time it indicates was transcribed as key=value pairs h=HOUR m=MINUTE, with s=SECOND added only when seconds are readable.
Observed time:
h=12 m=3
